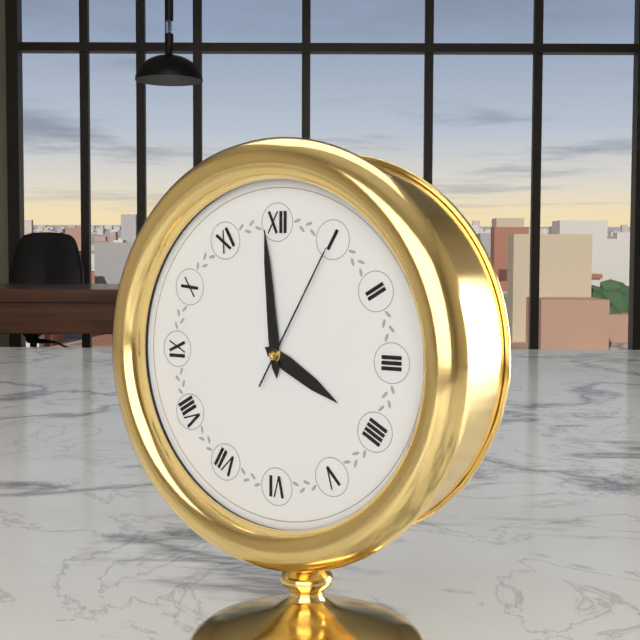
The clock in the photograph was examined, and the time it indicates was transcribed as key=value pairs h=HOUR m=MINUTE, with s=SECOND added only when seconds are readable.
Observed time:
h=3 m=59 s=5
